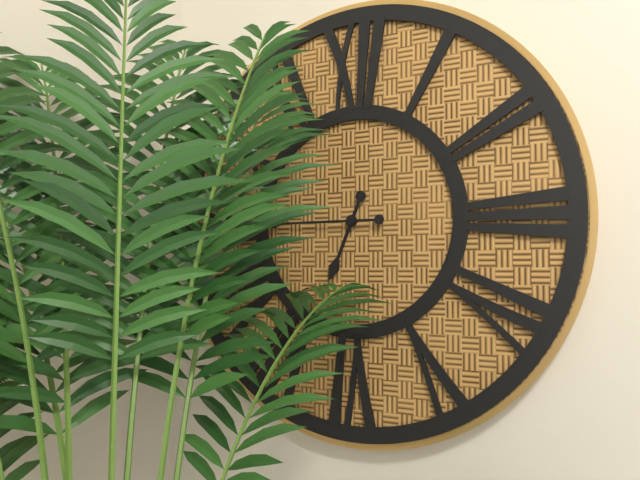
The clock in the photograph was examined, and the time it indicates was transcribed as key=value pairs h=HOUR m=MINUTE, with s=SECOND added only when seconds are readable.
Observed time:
h=6 m=45
